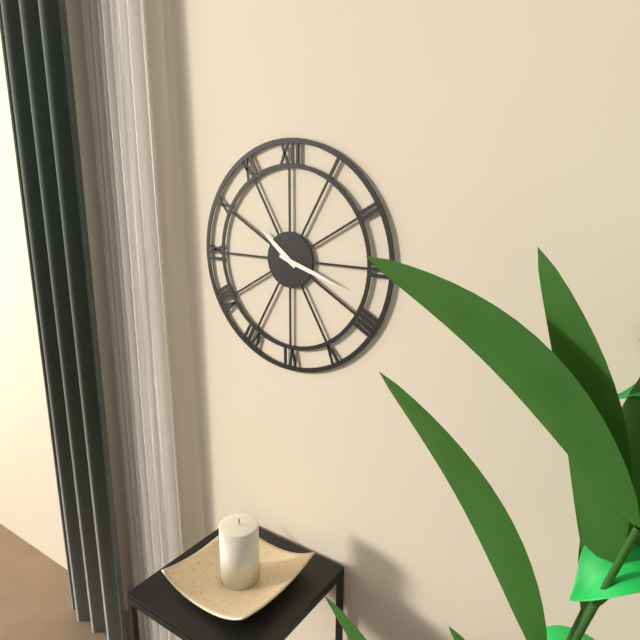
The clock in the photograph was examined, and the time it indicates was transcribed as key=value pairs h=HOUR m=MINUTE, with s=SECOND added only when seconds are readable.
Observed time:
h=10 m=18
